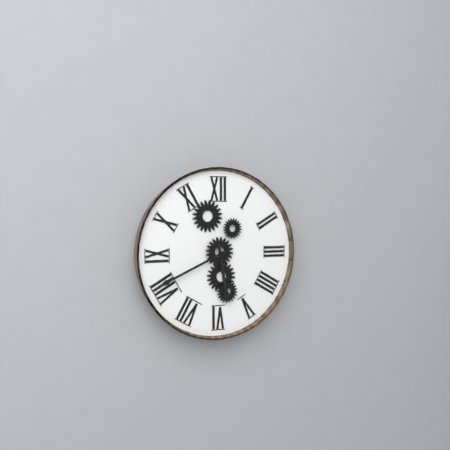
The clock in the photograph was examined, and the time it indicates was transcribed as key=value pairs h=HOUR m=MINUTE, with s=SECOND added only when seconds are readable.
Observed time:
h=5 m=41
